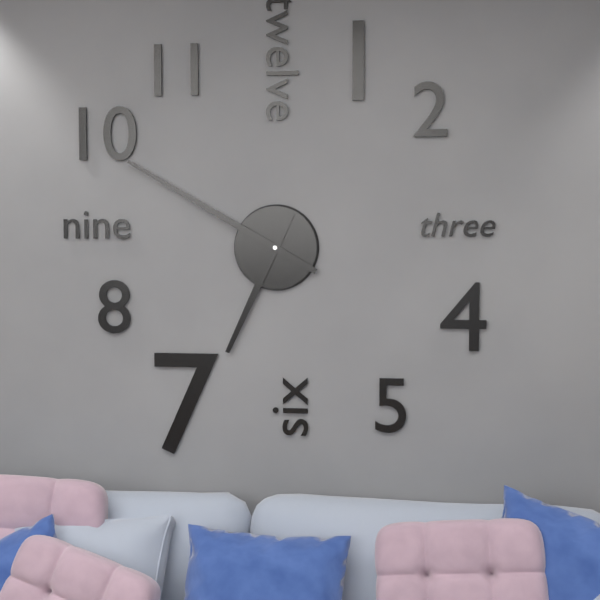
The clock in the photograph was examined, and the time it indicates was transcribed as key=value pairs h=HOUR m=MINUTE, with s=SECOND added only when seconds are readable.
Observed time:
h=6 m=50
